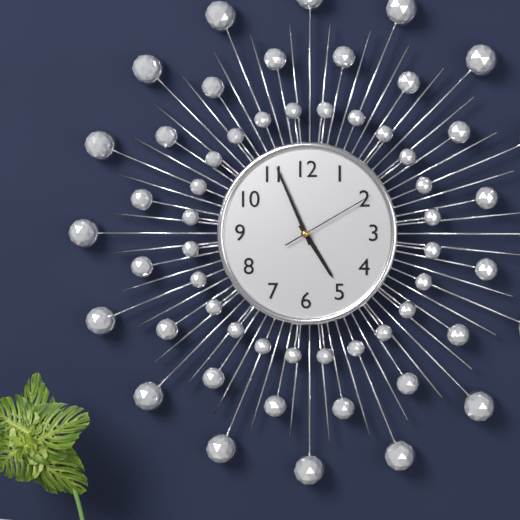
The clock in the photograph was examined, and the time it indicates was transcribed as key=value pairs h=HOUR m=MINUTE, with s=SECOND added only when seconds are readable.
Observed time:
h=4 m=56 s=10
